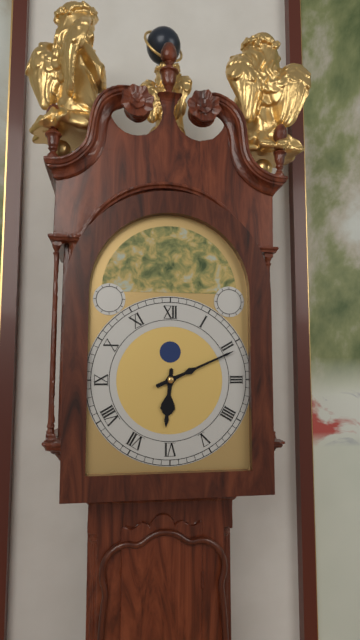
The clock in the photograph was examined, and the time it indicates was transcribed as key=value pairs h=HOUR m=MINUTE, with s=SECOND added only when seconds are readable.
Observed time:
h=6 m=11
